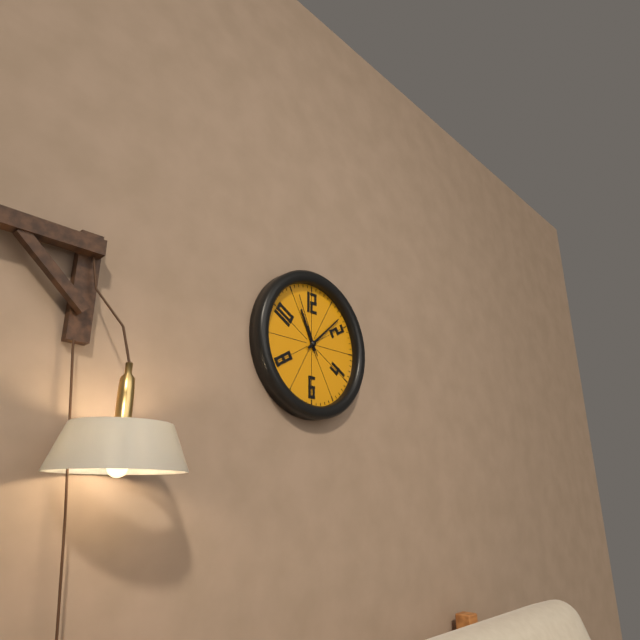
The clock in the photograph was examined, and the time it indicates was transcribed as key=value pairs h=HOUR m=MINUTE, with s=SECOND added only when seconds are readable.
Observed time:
h=11 m=8 s=56
